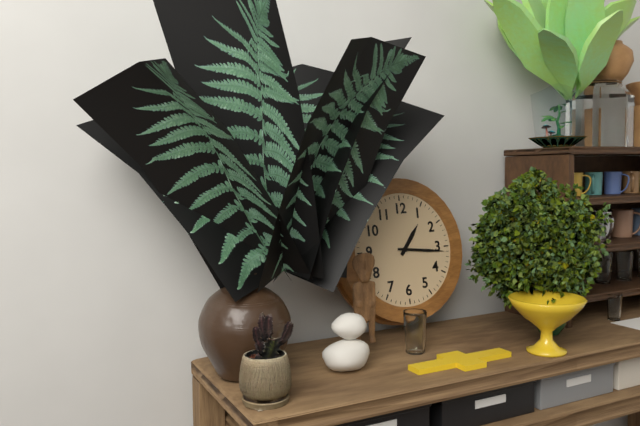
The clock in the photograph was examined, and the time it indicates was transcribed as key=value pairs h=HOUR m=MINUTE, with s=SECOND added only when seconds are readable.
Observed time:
h=1 m=16
